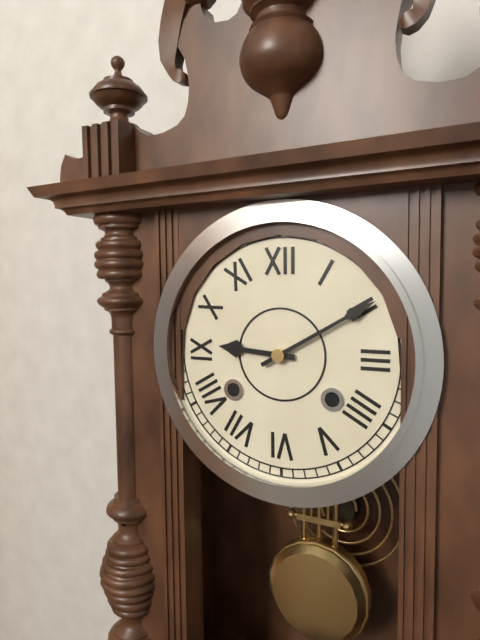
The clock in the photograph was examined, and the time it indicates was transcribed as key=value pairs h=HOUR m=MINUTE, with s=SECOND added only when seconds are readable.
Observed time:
h=9 m=10
